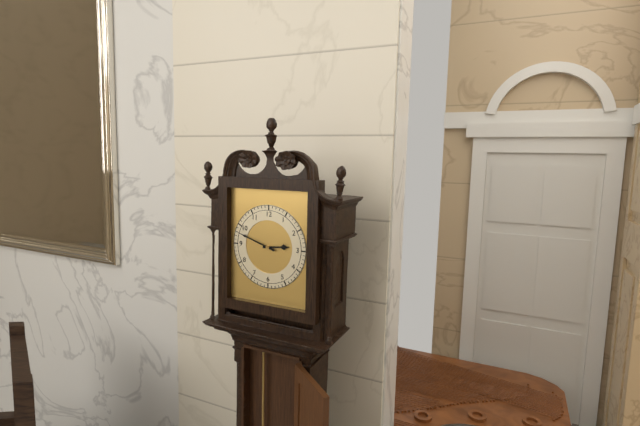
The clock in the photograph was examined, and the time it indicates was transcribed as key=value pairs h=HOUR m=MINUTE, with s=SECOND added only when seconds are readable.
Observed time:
h=2 m=48
